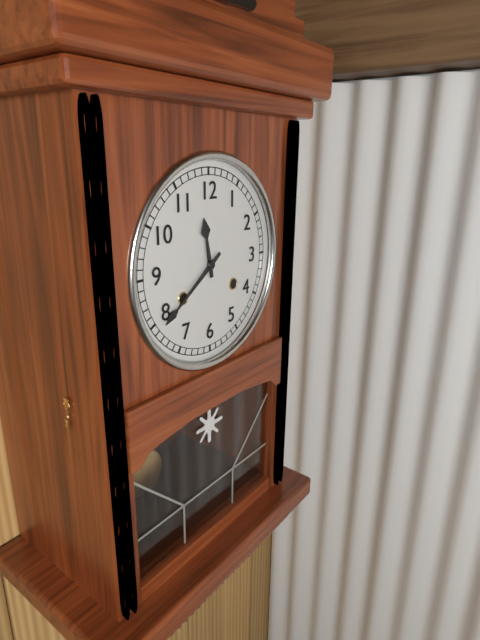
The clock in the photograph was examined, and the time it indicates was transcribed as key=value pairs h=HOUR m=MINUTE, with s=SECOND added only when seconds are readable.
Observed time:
h=11 m=39
